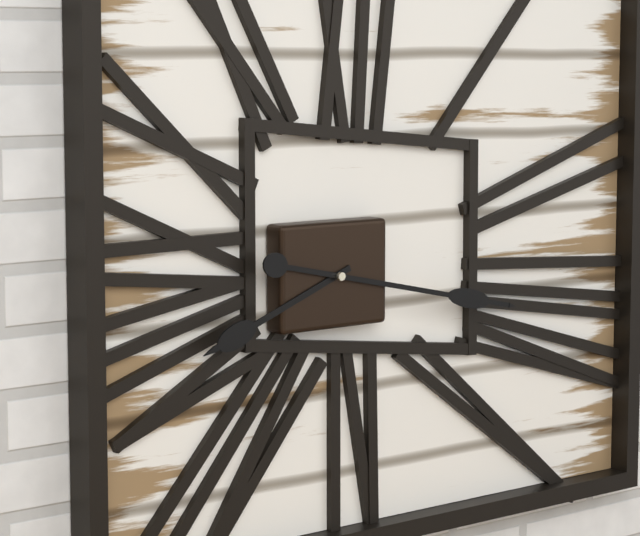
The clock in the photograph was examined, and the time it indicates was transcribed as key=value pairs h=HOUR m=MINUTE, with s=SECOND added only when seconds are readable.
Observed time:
h=8 m=17
